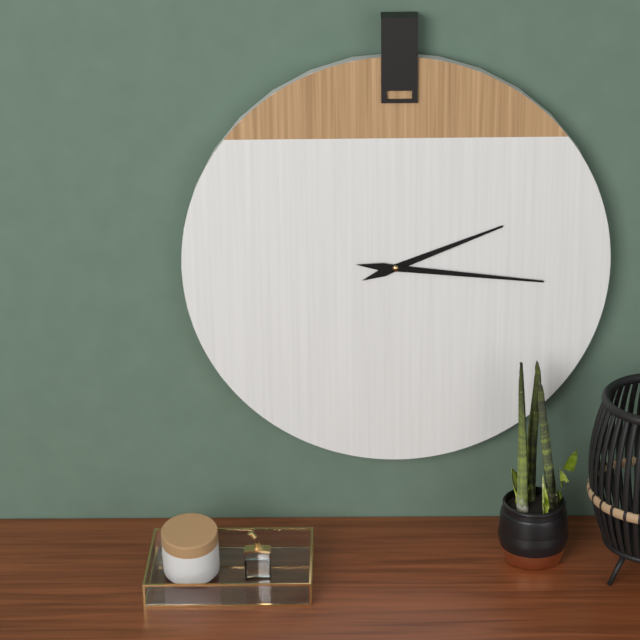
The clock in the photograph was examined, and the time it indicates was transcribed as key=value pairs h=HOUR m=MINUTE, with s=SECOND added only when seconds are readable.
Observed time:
h=2 m=16
